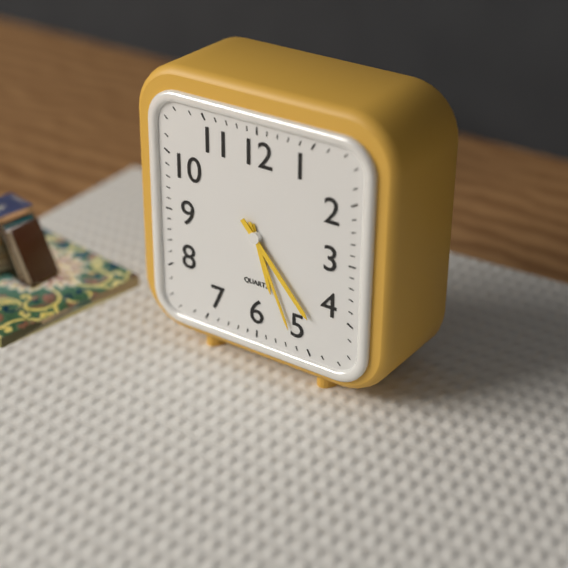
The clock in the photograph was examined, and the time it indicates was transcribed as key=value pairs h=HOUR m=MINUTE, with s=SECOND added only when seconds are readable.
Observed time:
h=5 m=26 s=23
